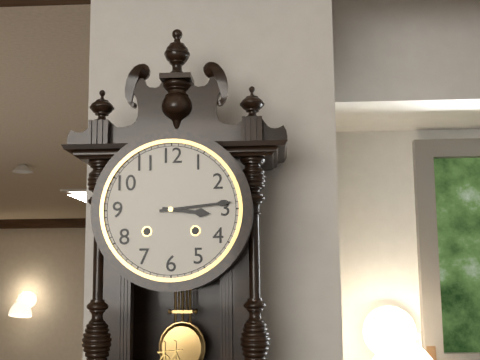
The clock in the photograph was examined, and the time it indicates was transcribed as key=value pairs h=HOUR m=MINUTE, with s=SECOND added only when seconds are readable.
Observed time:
h=3 m=14
